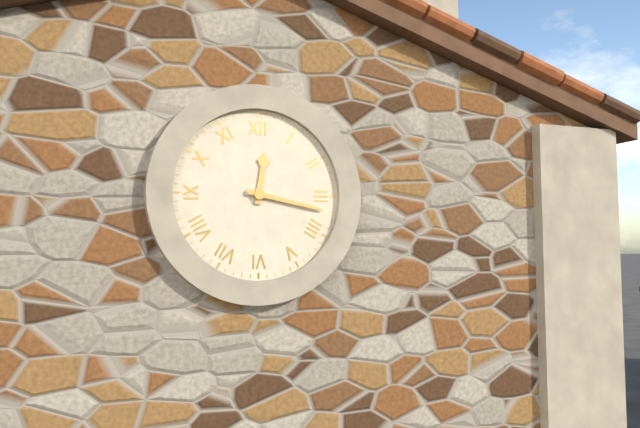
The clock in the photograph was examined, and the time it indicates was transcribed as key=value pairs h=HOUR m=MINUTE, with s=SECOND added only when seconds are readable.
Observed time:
h=12 m=17
